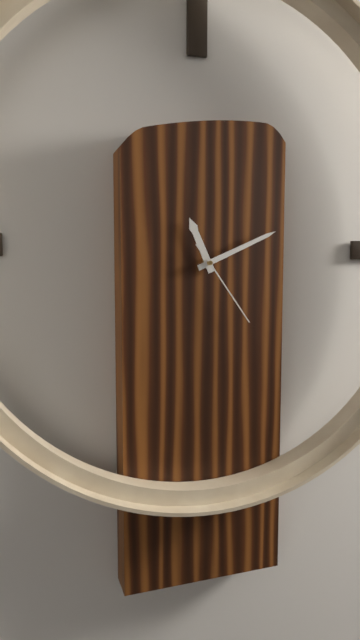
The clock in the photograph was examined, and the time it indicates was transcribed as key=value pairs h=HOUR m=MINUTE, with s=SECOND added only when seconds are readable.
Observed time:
h=11 m=11 s=24
